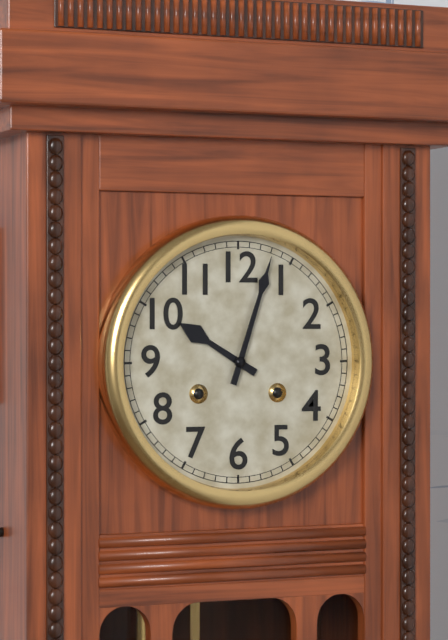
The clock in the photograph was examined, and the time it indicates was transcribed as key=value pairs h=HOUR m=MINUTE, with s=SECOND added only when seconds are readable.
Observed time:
h=10 m=3
